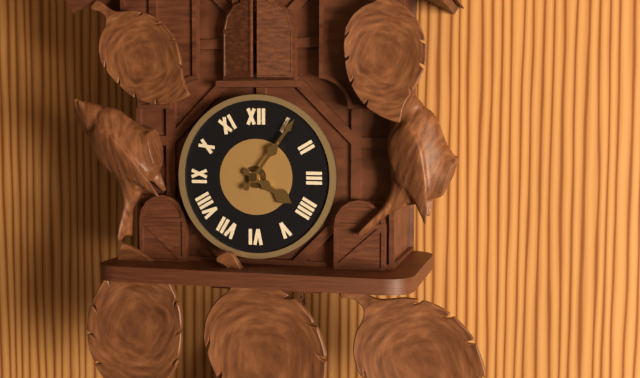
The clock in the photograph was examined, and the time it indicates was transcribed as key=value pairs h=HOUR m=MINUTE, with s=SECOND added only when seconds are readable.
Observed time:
h=4 m=6
